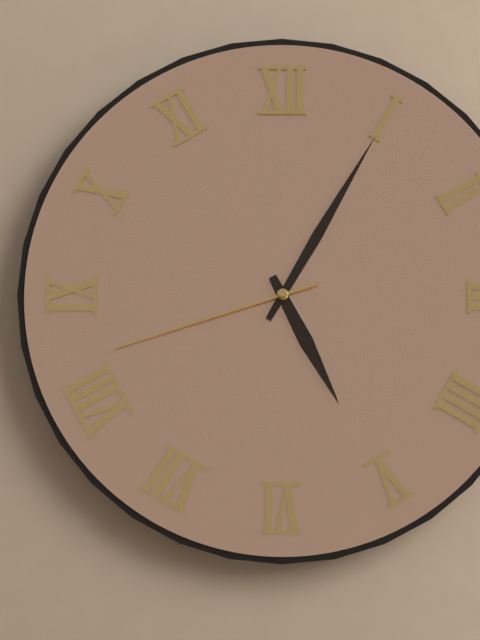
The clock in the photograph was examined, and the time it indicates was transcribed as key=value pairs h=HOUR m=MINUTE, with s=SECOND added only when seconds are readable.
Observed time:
h=5 m=5 s=42
